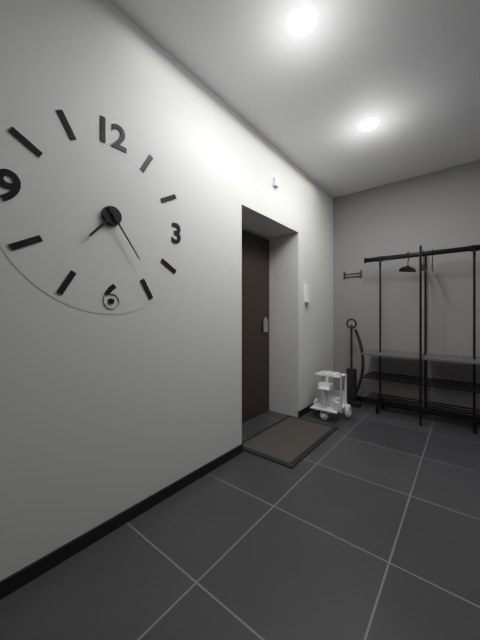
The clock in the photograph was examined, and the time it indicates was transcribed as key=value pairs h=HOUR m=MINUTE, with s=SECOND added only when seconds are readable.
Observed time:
h=7 m=24
